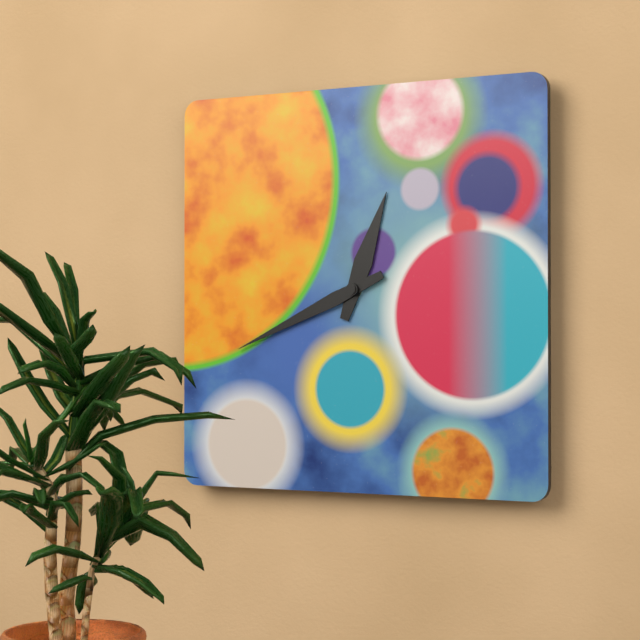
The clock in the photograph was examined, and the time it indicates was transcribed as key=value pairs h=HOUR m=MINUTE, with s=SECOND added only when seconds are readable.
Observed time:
h=12 m=41
